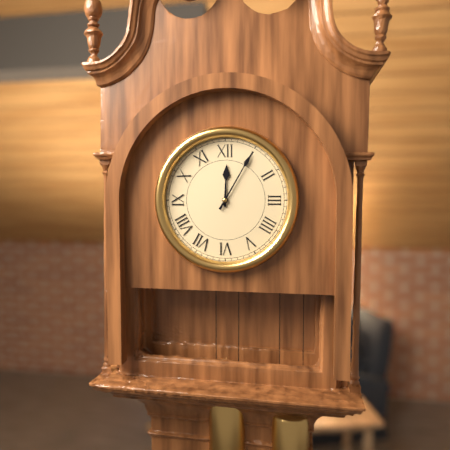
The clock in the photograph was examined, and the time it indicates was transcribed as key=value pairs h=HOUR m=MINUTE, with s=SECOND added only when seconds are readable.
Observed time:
h=12 m=5
